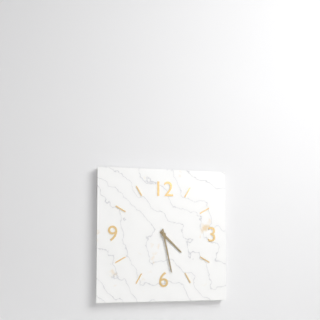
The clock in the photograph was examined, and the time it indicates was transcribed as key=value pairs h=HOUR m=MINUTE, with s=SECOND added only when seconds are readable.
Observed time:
h=4 m=28
